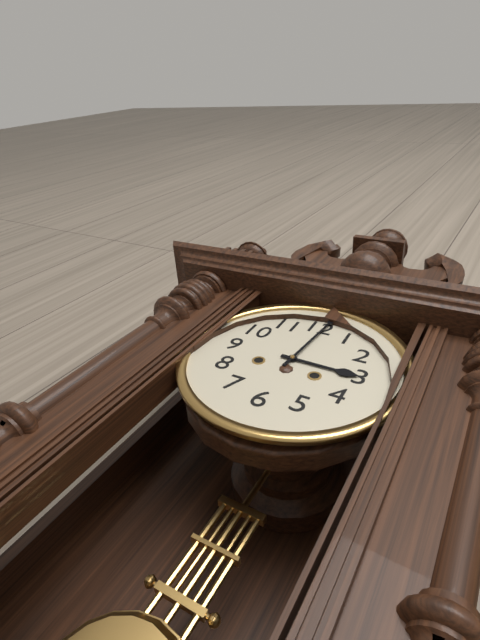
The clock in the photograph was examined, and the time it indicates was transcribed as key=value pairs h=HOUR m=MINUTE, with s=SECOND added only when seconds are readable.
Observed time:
h=3 m=1
